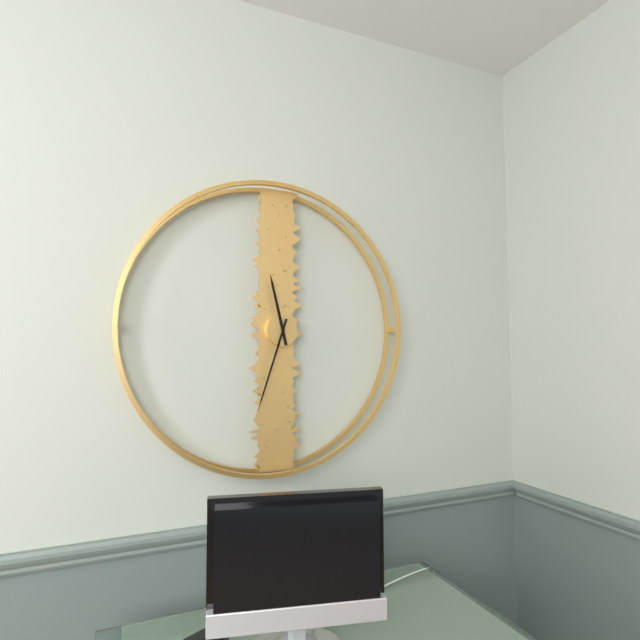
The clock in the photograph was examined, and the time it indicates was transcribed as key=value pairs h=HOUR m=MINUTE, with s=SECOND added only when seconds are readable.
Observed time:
h=11 m=33
